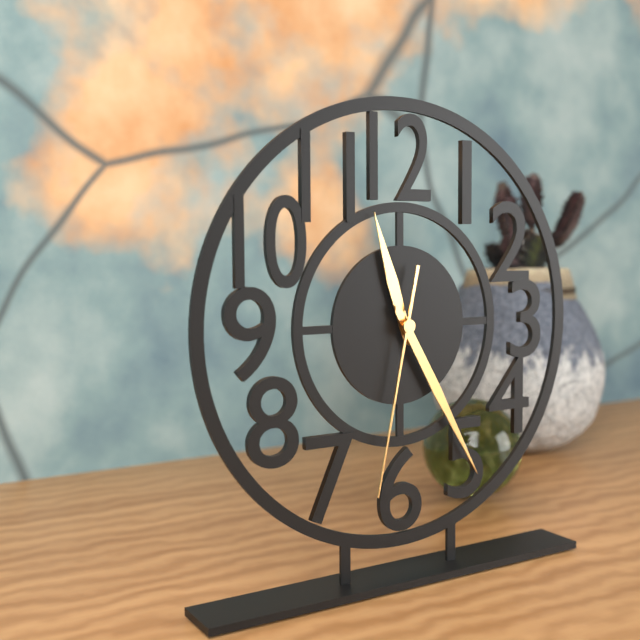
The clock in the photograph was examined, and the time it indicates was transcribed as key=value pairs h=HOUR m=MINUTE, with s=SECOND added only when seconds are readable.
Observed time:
h=11 m=25 s=32
